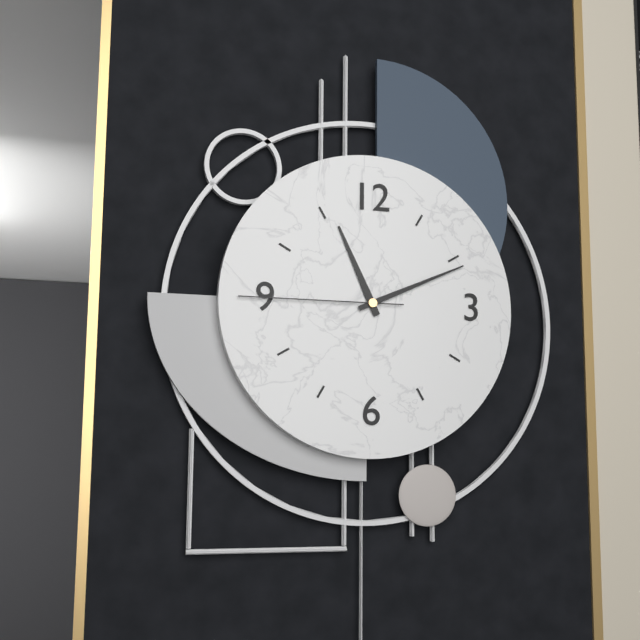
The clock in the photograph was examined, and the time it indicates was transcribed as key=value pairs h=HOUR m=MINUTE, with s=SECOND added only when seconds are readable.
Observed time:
h=11 m=11 s=45
